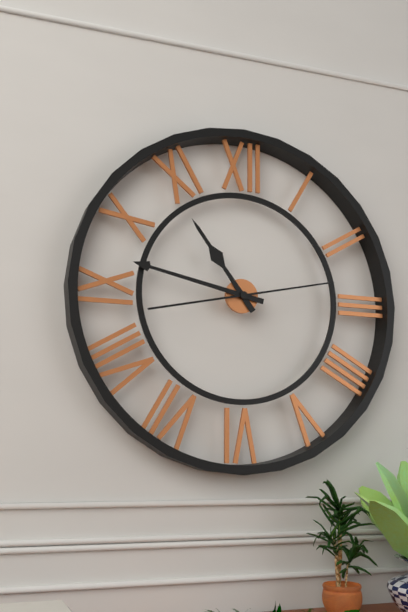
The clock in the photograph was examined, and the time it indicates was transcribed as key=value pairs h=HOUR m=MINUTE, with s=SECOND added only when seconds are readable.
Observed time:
h=10 m=47 s=13
